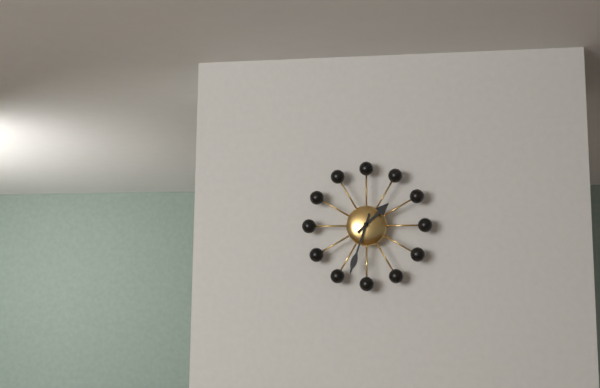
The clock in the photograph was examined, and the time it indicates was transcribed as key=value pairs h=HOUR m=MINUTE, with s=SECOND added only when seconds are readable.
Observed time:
h=1 m=33
